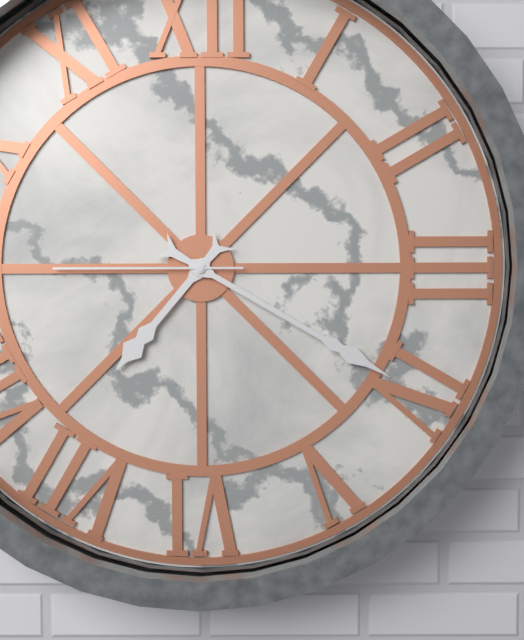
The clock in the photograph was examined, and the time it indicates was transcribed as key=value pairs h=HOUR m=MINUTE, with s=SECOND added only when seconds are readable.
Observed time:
h=7 m=20 s=45
